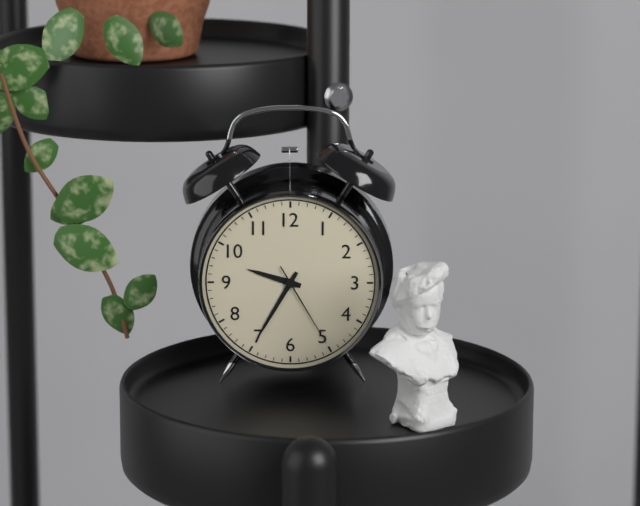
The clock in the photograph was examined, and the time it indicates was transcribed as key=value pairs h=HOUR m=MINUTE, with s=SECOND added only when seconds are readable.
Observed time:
h=9 m=35 s=25
